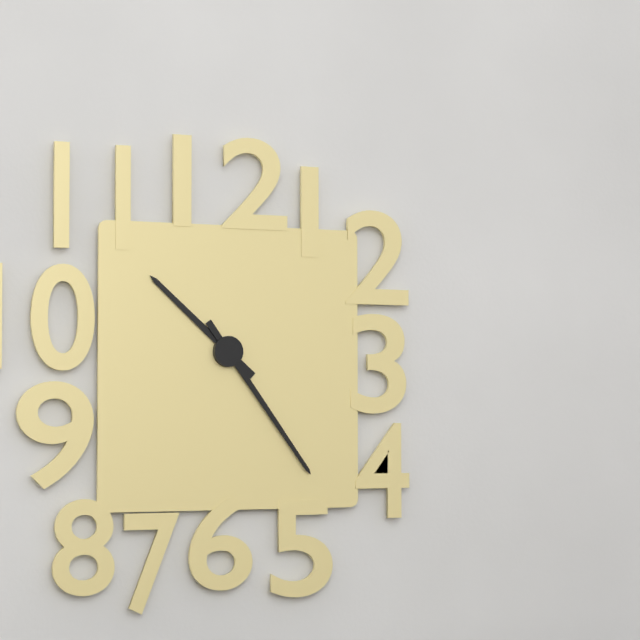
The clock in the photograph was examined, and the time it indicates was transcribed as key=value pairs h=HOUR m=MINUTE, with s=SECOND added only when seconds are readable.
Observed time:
h=10 m=24
